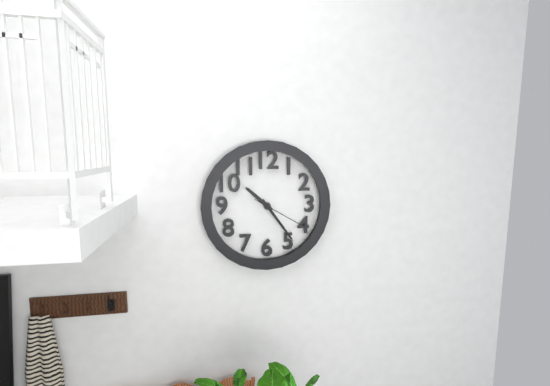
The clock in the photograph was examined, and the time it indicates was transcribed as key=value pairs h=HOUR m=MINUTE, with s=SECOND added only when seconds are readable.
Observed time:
h=10 m=24 s=20
